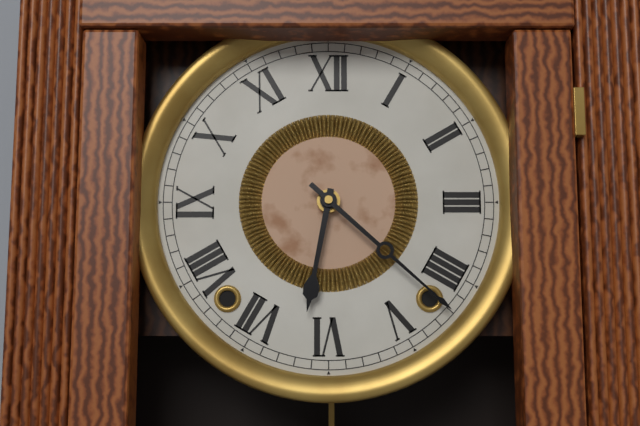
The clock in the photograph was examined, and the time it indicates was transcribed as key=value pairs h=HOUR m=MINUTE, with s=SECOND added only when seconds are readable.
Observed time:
h=6 m=22
